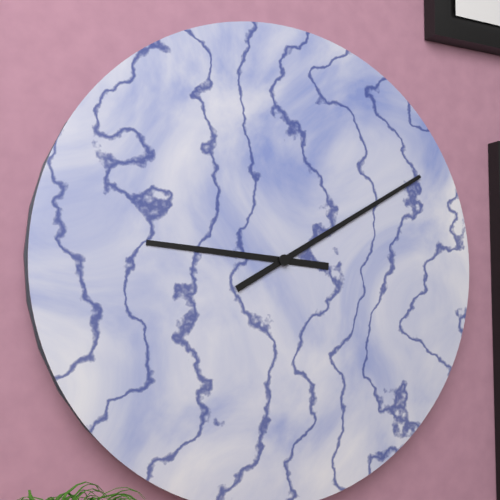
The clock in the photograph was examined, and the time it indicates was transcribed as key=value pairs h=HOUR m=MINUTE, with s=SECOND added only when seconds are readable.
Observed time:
h=9 m=10
